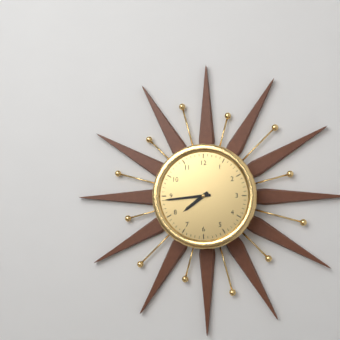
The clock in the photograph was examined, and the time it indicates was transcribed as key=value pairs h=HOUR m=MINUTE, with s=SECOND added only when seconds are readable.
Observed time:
h=7 m=44
